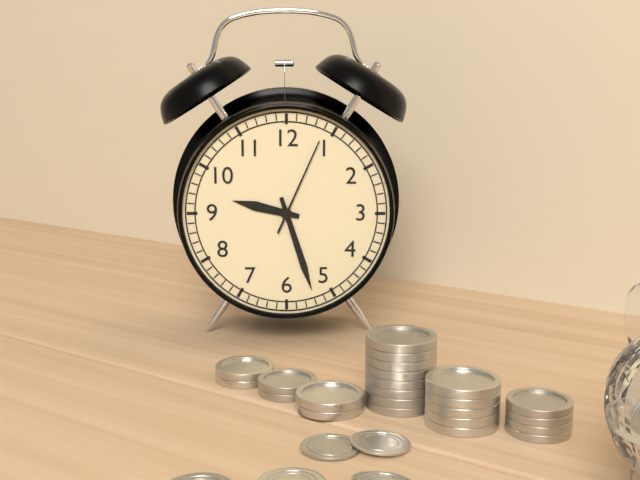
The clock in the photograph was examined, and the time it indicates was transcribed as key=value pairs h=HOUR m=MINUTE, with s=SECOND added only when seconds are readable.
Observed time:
h=9 m=27 s=4
